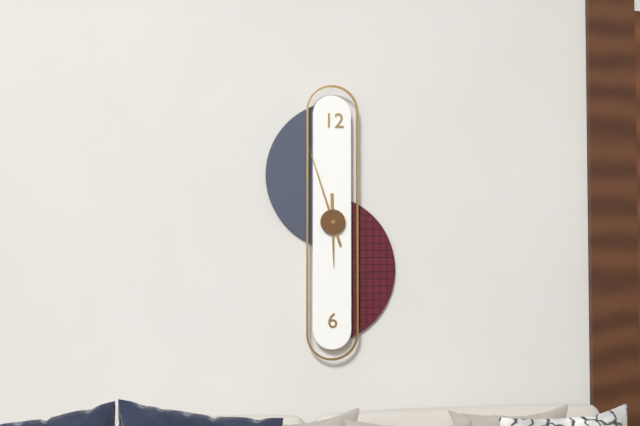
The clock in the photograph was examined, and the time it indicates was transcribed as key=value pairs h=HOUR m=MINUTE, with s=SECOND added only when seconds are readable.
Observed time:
h=5 m=57
